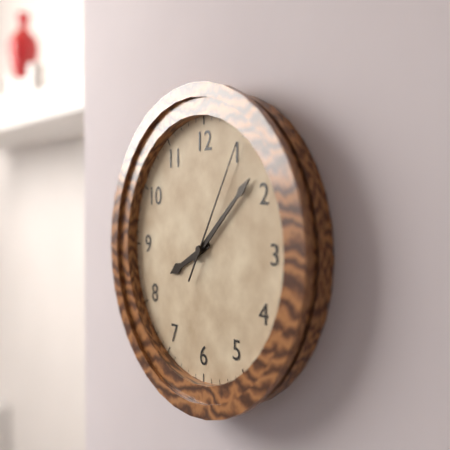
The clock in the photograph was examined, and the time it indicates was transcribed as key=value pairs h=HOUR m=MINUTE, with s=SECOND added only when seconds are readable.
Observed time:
h=8 m=8 s=5
